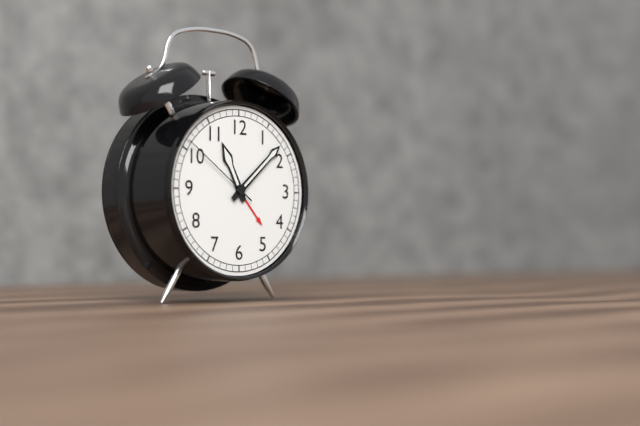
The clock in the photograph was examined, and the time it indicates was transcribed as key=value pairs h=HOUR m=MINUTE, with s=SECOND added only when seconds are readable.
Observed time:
h=11 m=8 s=51
